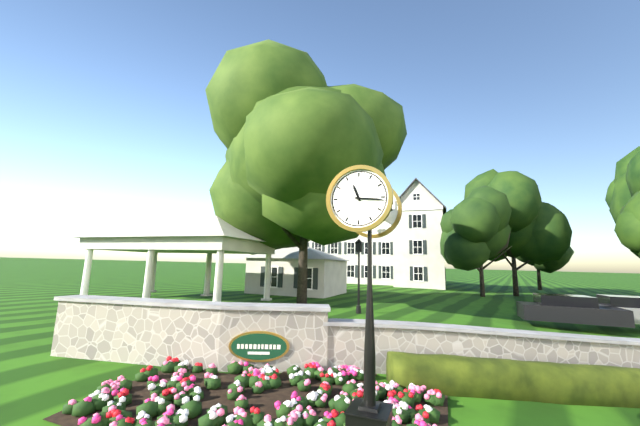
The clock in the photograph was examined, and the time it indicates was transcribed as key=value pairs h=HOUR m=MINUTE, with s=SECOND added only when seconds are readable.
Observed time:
h=11 m=16
